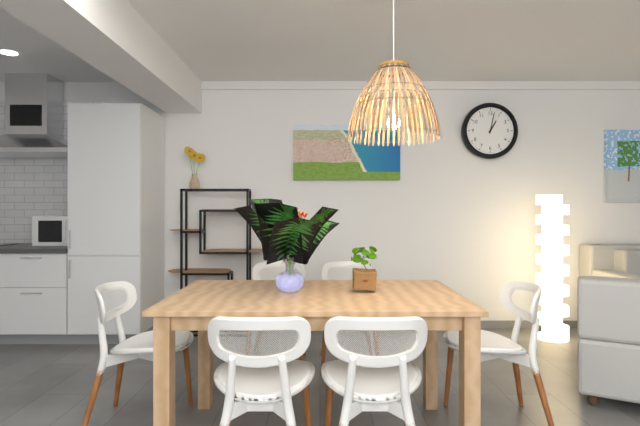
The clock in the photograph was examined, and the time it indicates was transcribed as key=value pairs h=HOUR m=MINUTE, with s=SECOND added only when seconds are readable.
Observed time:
h=1 m=2
